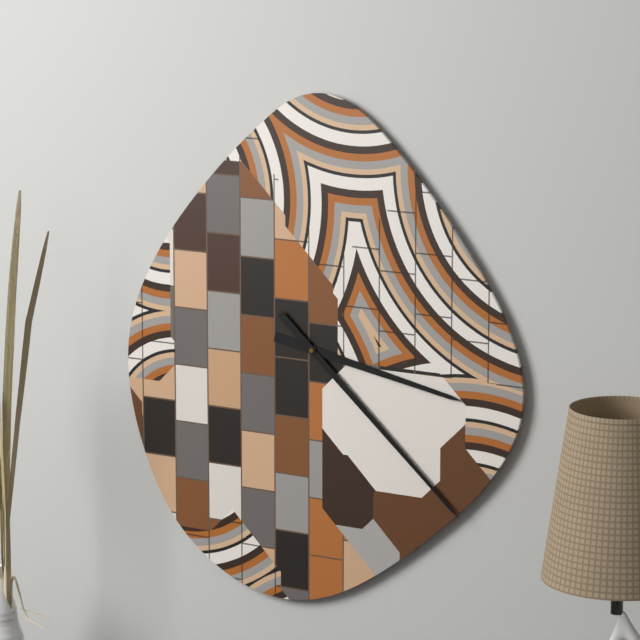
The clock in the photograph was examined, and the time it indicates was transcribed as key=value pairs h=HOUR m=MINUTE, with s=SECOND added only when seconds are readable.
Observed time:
h=3 m=22
